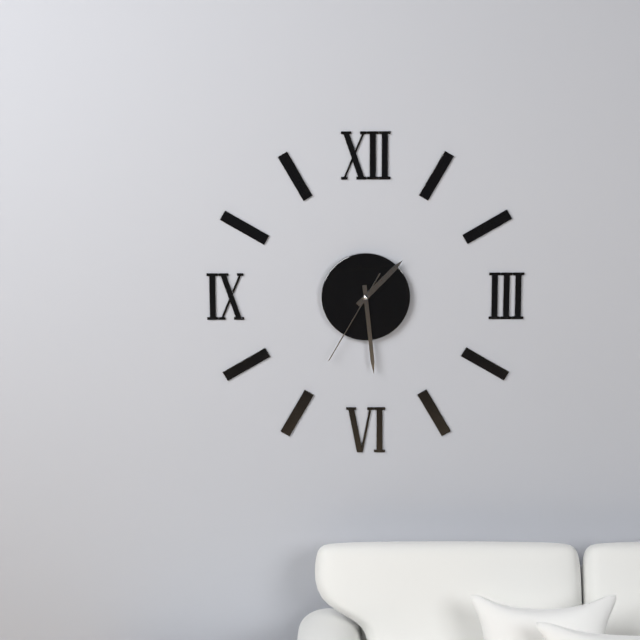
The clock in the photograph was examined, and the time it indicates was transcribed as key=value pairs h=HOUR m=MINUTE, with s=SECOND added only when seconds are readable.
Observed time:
h=1 m=29 s=35
